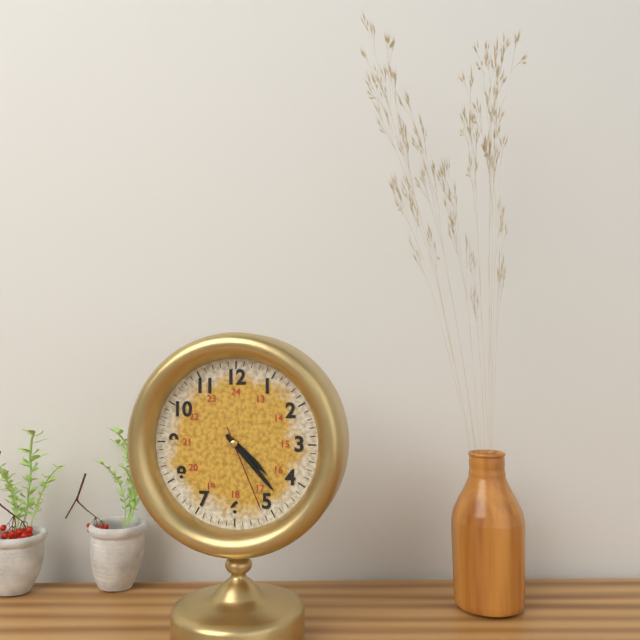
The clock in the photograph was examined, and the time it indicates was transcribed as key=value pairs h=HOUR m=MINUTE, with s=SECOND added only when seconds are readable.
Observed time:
h=4 m=23 s=26
